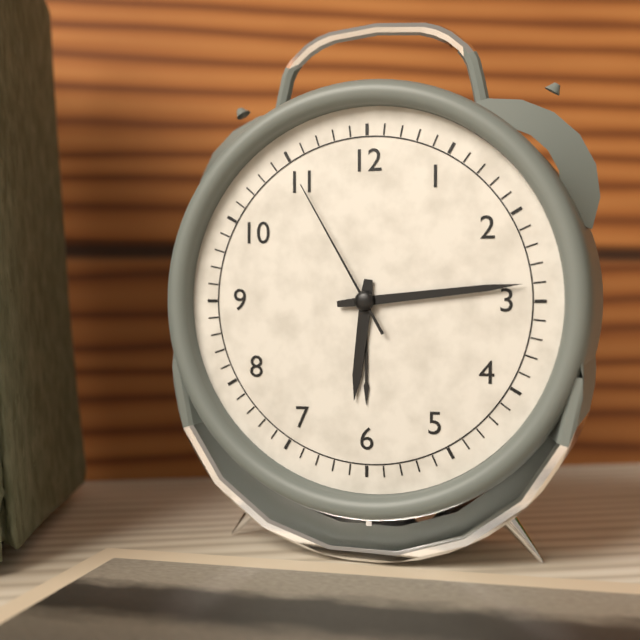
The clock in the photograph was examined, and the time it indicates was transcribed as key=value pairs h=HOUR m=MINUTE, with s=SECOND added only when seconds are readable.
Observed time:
h=6 m=14 s=55
